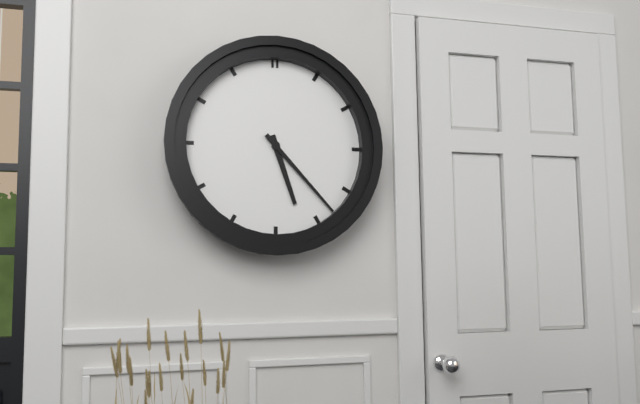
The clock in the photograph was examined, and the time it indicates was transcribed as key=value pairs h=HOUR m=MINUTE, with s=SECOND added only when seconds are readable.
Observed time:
h=5 m=23
